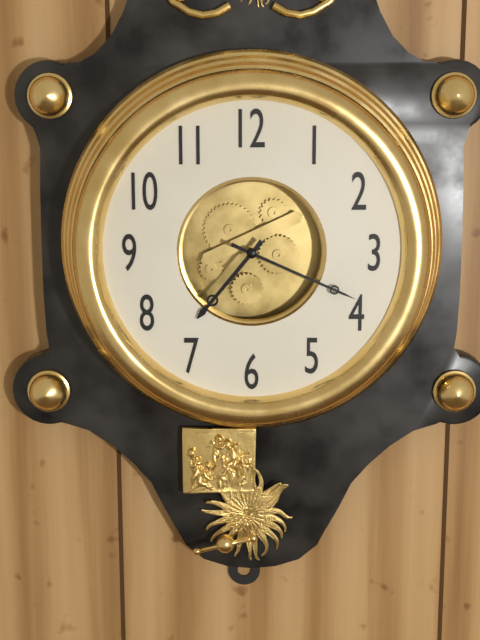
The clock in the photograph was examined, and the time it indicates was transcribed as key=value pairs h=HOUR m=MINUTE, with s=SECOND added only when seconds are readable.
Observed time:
h=7 m=19
